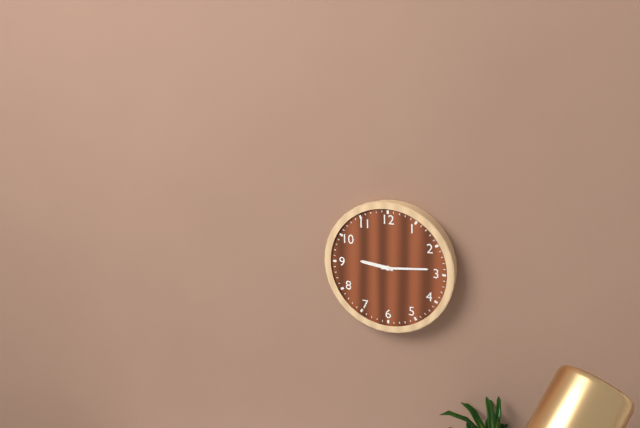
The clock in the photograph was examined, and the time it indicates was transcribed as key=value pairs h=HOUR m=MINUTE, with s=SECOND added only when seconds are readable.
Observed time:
h=9 m=14
